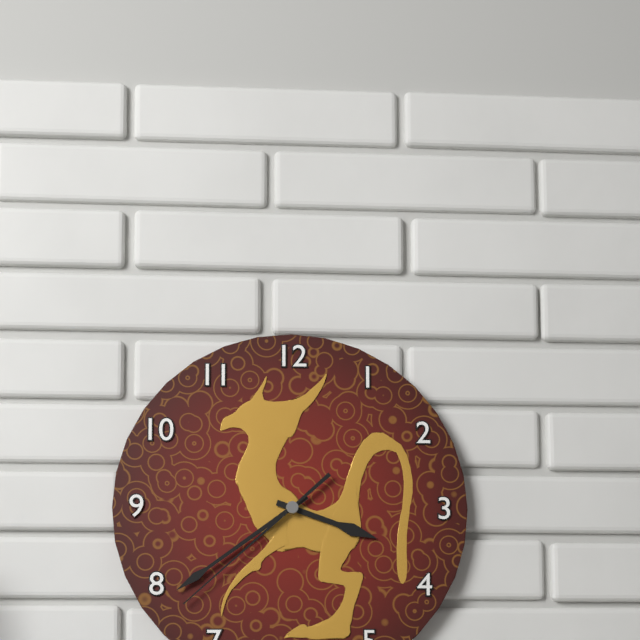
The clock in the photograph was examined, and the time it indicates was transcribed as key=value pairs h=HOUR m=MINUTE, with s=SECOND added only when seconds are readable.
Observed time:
h=3 m=39 s=38
